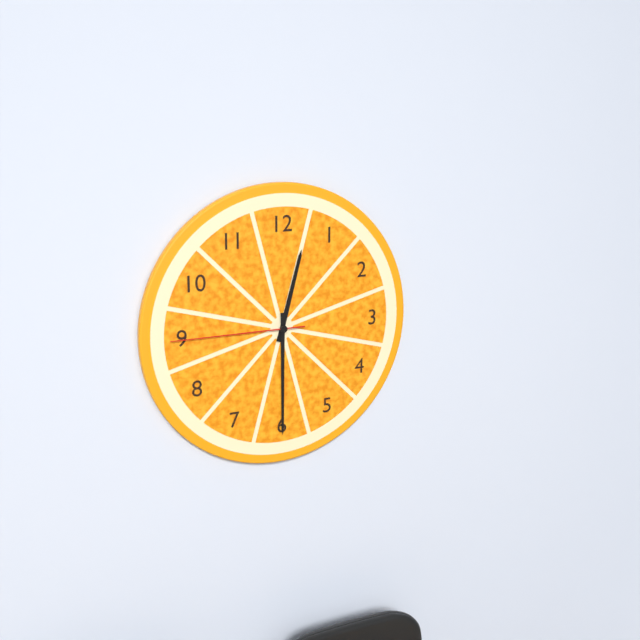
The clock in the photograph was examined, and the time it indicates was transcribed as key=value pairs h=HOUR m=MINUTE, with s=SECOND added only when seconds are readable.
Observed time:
h=12 m=30 s=45
